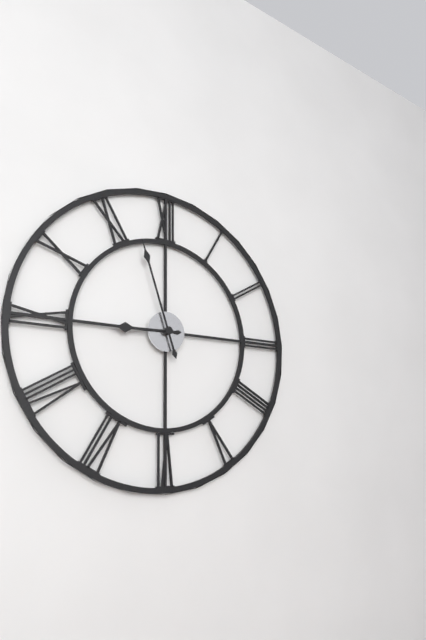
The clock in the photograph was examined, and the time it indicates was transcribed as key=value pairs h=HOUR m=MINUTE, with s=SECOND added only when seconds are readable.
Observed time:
h=8 m=57
